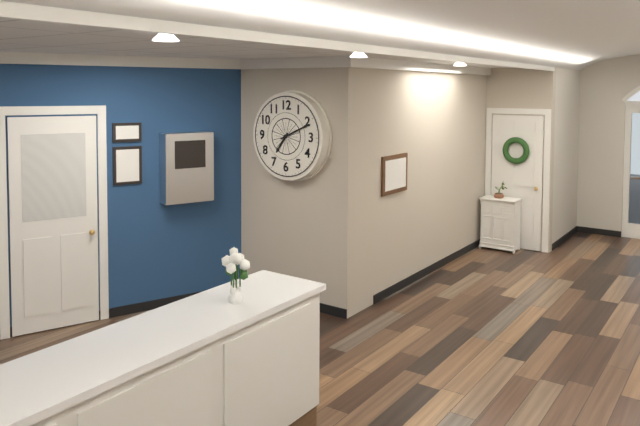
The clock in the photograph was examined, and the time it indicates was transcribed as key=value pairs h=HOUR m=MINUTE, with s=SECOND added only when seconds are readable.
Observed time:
h=7 m=11
